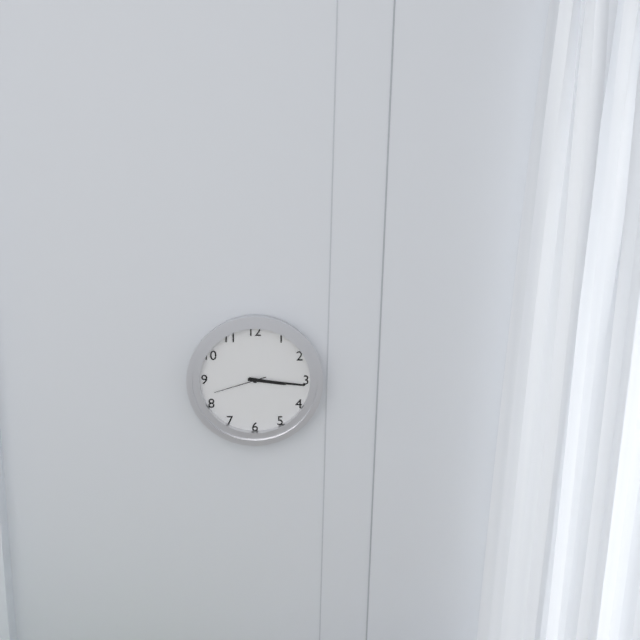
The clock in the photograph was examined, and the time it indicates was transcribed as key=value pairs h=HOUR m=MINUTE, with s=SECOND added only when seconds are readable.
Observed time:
h=3 m=16 s=42
